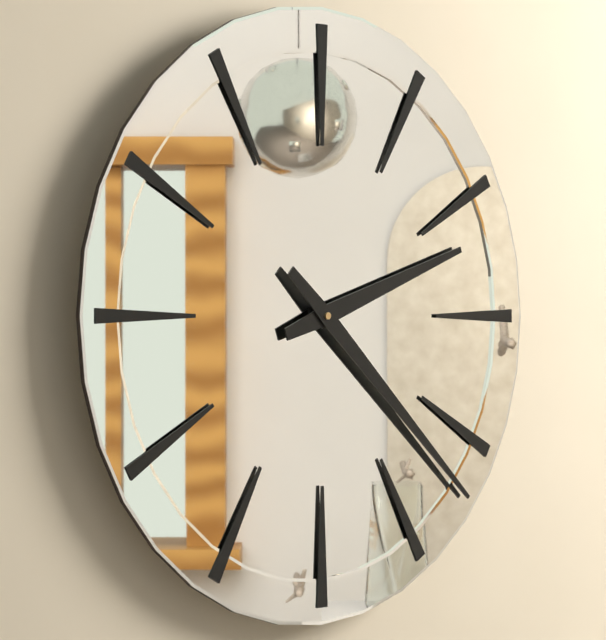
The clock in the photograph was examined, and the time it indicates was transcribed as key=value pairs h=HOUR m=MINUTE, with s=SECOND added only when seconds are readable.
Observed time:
h=2 m=22
